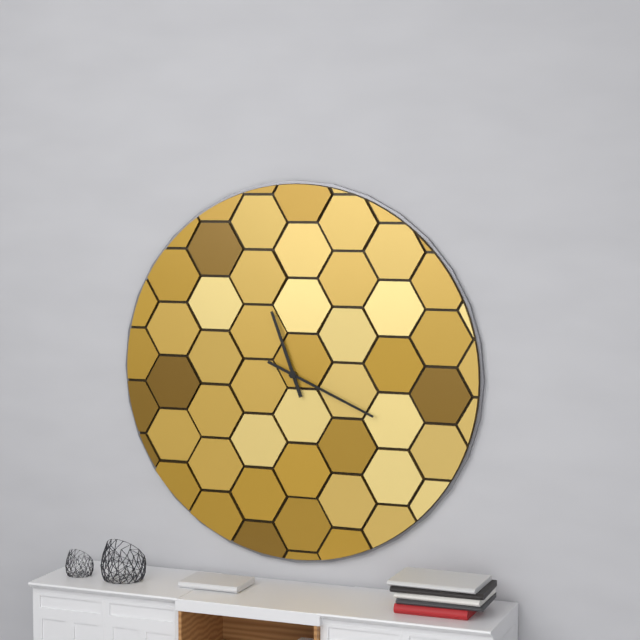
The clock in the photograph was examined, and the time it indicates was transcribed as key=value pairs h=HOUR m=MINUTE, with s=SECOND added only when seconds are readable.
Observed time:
h=11 m=19
